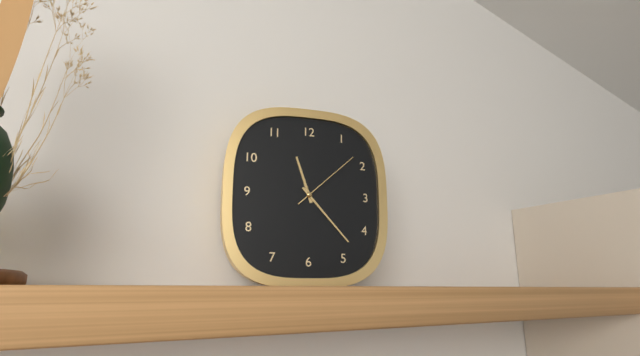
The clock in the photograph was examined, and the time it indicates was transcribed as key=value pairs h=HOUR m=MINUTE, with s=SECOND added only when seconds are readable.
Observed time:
h=11 m=23 s=8
